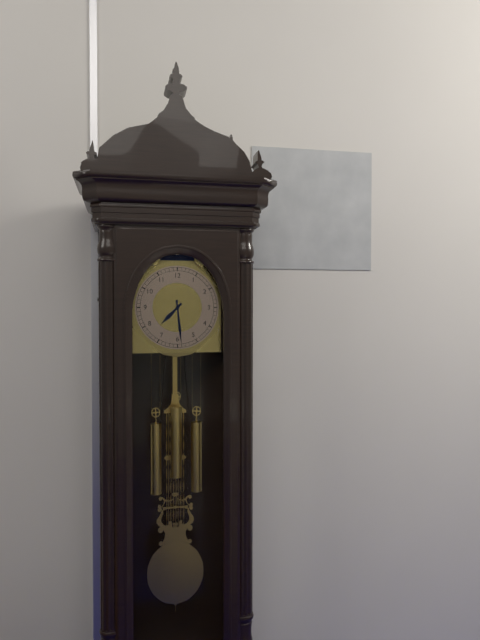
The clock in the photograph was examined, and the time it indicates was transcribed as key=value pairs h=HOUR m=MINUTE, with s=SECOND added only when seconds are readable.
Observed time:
h=7 m=29
